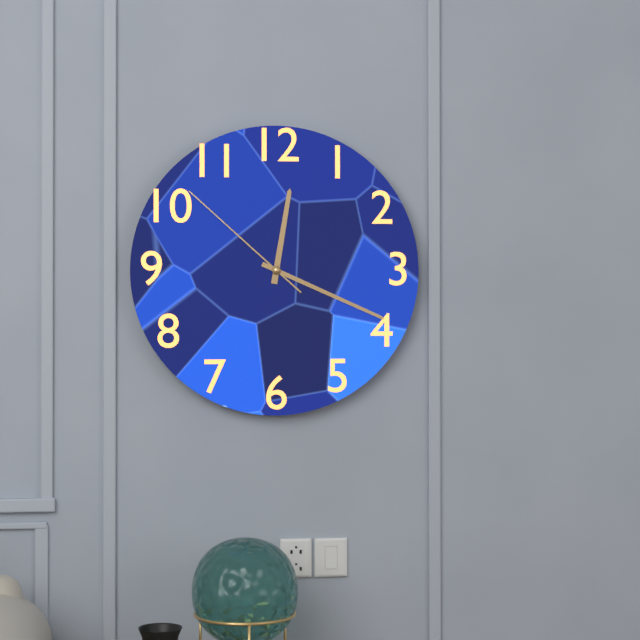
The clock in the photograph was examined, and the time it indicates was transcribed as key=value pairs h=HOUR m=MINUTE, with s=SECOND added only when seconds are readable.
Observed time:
h=12 m=19 s=52
